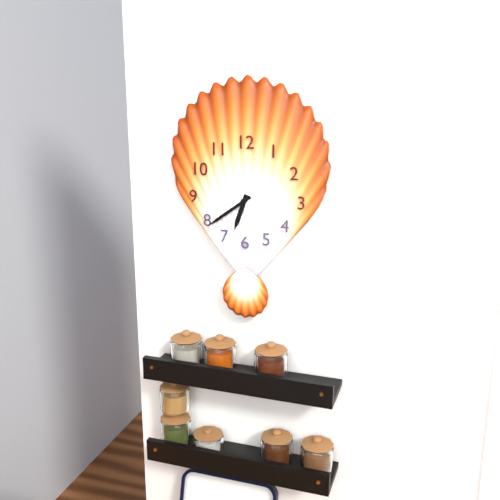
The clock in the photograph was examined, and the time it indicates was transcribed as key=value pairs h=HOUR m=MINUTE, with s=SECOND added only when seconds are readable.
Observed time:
h=6 m=39
